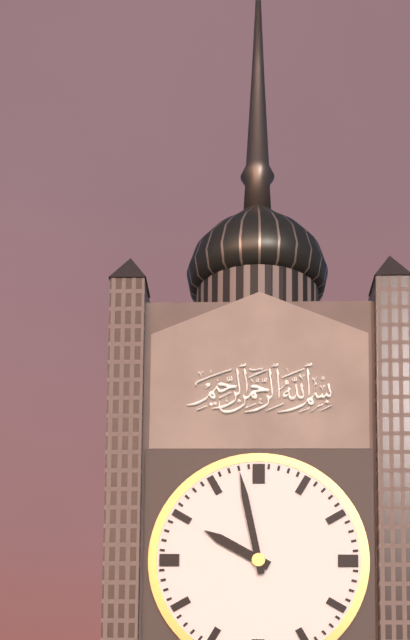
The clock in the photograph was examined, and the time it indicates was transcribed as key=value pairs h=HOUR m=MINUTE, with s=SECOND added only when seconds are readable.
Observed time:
h=9 m=58
